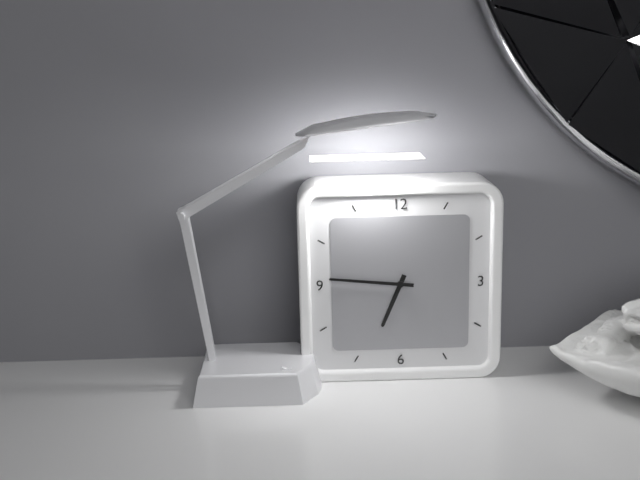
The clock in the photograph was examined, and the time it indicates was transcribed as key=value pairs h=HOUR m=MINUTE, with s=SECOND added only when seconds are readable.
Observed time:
h=6 m=46
